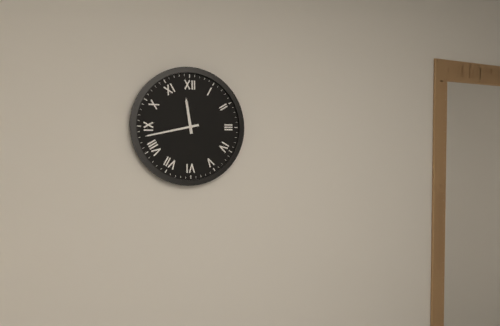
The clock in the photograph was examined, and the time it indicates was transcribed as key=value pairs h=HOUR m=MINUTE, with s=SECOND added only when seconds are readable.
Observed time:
h=11 m=43
